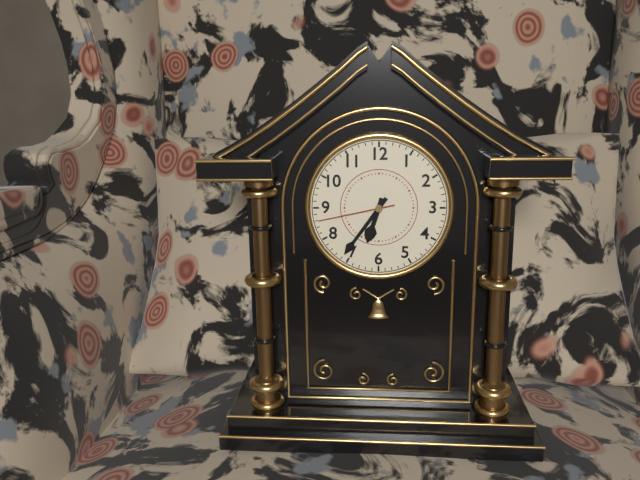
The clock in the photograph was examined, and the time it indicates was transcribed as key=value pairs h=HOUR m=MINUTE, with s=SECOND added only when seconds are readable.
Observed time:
h=6 m=36 s=43
